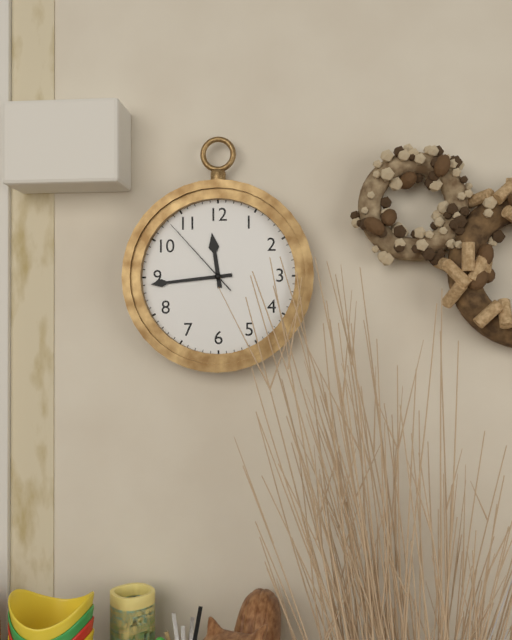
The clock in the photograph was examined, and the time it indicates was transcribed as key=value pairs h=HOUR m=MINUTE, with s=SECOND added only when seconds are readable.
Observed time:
h=11 m=44 s=53
